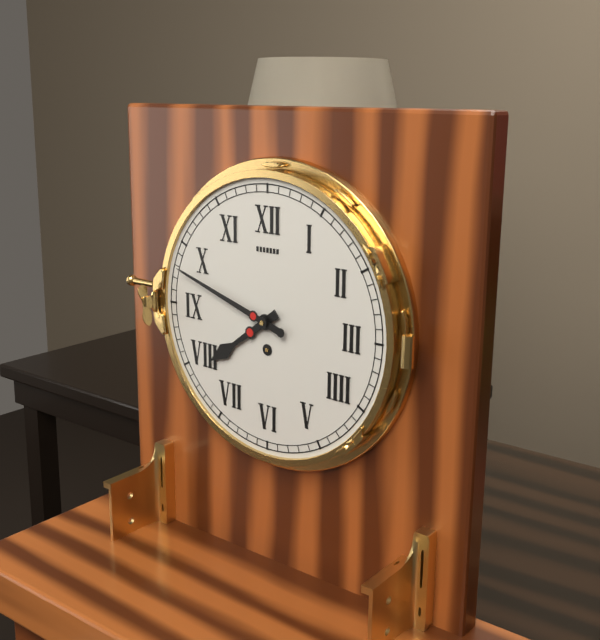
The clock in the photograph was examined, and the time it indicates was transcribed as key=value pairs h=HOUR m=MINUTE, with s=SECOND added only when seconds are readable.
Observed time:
h=7 m=48
